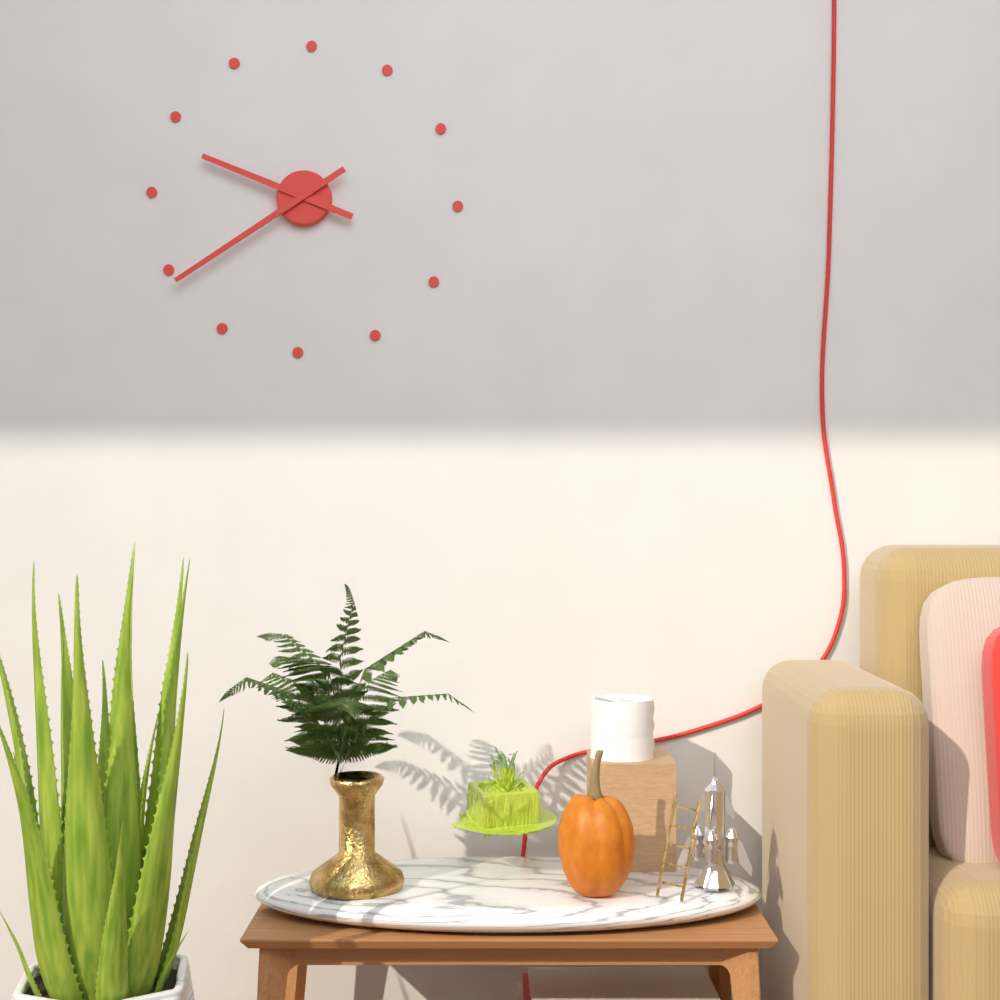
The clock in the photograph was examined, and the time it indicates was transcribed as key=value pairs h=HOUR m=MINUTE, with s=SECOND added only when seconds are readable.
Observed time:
h=9 m=39
